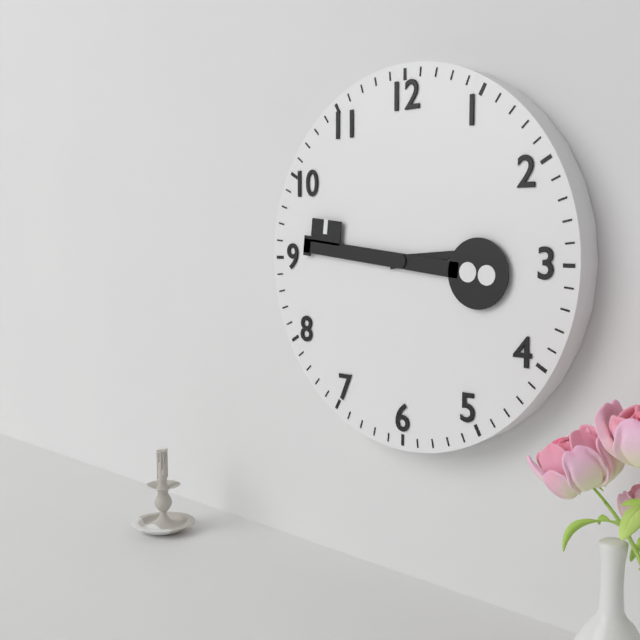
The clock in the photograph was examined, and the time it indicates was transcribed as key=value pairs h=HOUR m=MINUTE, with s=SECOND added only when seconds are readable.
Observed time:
h=2 m=46
